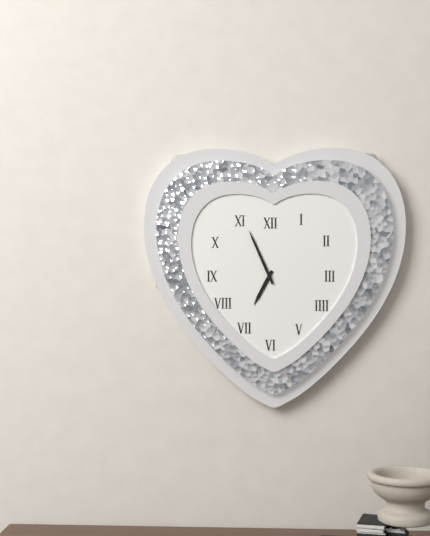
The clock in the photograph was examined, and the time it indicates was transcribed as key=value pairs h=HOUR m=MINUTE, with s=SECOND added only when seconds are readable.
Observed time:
h=6 m=56
